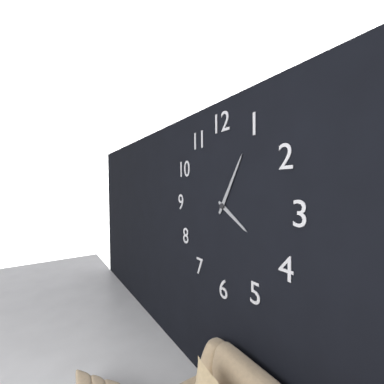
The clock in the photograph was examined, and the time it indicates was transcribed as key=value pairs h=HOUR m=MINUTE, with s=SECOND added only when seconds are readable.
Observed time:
h=4 m=5
